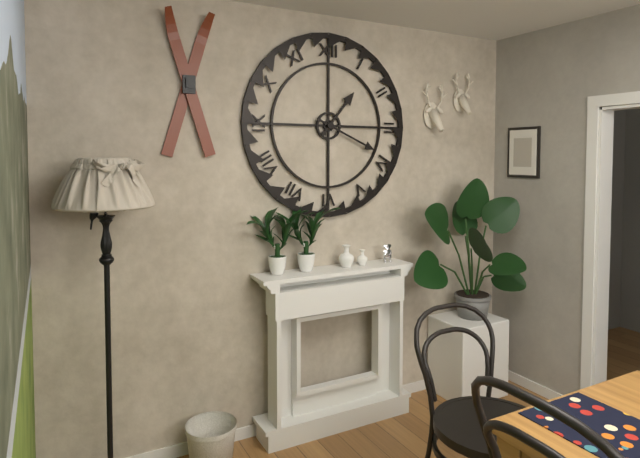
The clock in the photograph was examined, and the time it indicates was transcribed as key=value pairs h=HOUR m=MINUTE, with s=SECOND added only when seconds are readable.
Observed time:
h=1 m=19
